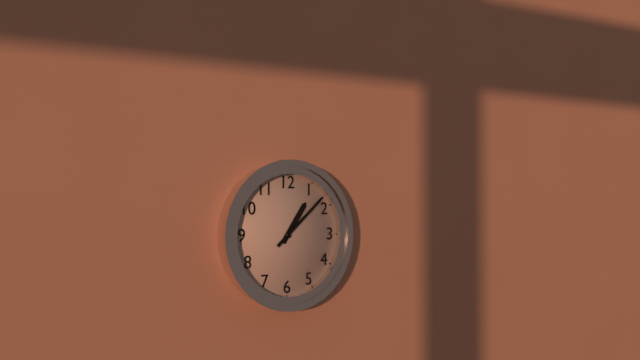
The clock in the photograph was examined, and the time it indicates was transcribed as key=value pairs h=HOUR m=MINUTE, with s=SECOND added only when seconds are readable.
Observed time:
h=1 m=8
